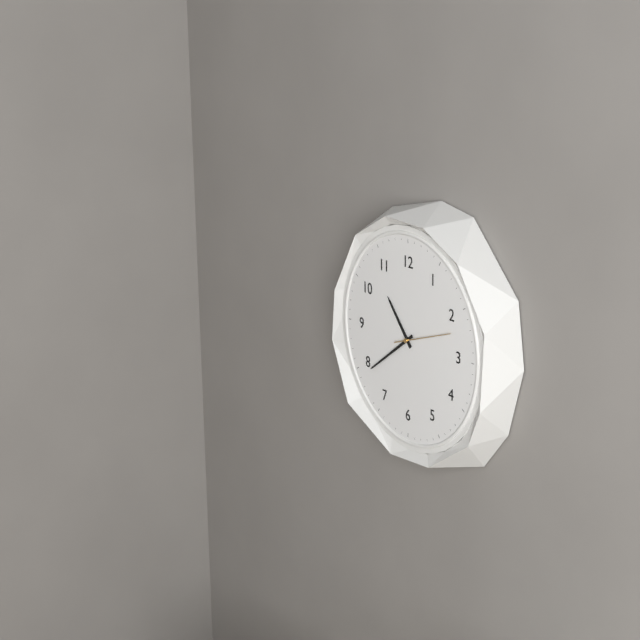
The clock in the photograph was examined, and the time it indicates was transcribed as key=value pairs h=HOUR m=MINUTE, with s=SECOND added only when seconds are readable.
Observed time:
h=10 m=39 s=12
